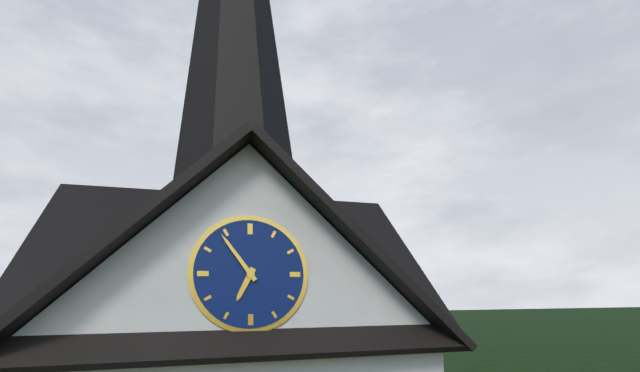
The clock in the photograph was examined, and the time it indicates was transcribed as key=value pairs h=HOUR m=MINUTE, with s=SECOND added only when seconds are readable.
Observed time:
h=6 m=54
